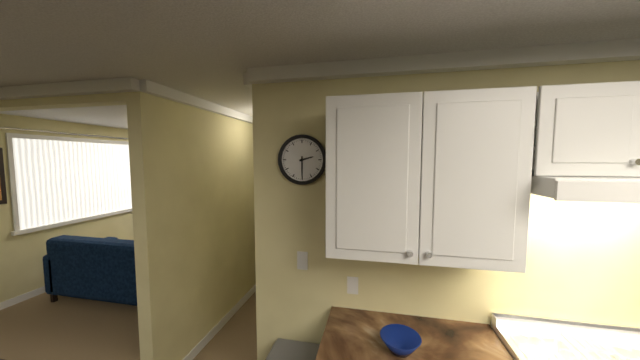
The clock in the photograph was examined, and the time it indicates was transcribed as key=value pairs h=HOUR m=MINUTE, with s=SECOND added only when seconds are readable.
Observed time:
h=2 m=30
